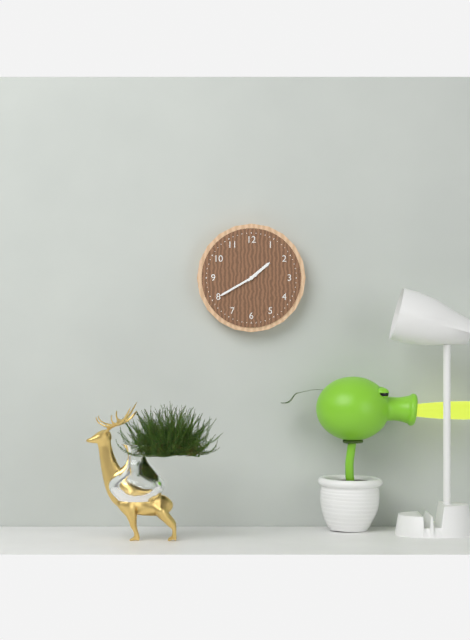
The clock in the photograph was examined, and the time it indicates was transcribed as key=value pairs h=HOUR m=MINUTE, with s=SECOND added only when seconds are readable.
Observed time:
h=1 m=40
